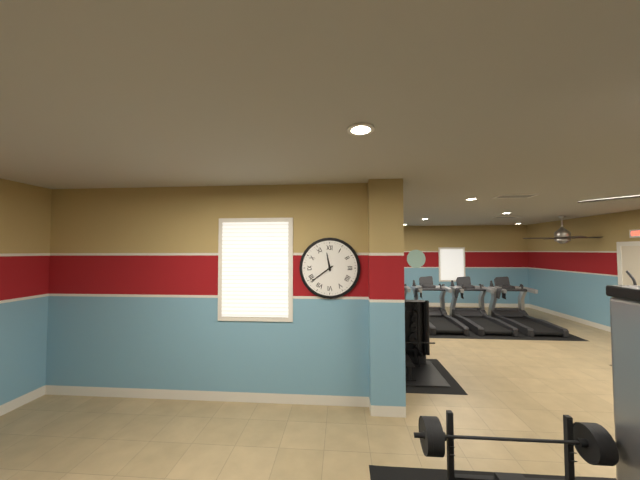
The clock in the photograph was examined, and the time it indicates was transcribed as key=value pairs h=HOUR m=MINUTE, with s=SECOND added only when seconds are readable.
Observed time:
h=11 m=39
